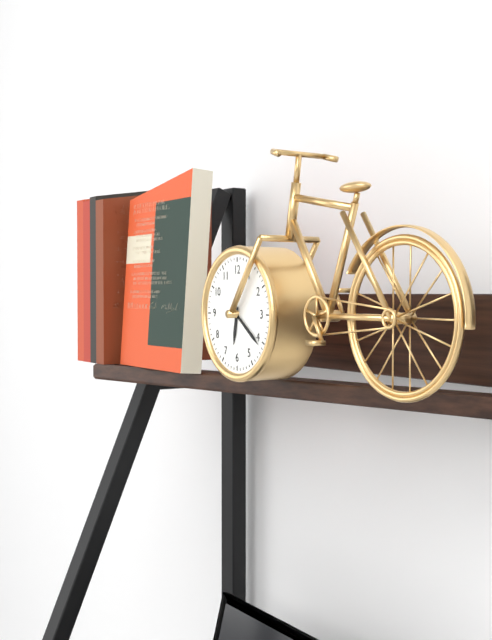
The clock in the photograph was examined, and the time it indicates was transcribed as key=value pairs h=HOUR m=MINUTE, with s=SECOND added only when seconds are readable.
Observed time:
h=6 m=21
